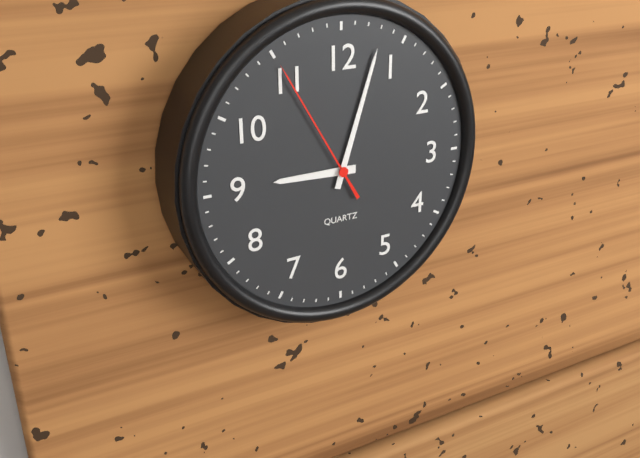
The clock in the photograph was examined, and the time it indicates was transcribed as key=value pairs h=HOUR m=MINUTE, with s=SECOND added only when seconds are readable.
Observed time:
h=9 m=3 s=55
